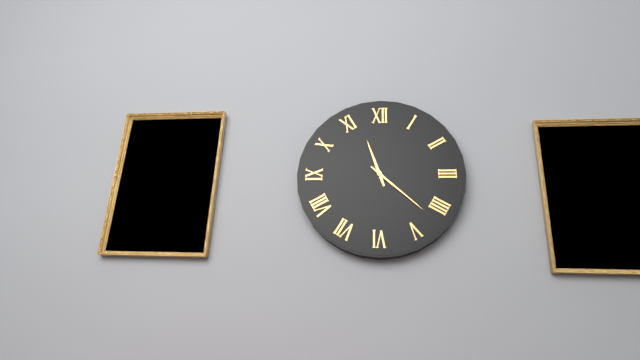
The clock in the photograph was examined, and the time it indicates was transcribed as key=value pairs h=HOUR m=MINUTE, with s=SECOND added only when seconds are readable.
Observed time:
h=11 m=22
